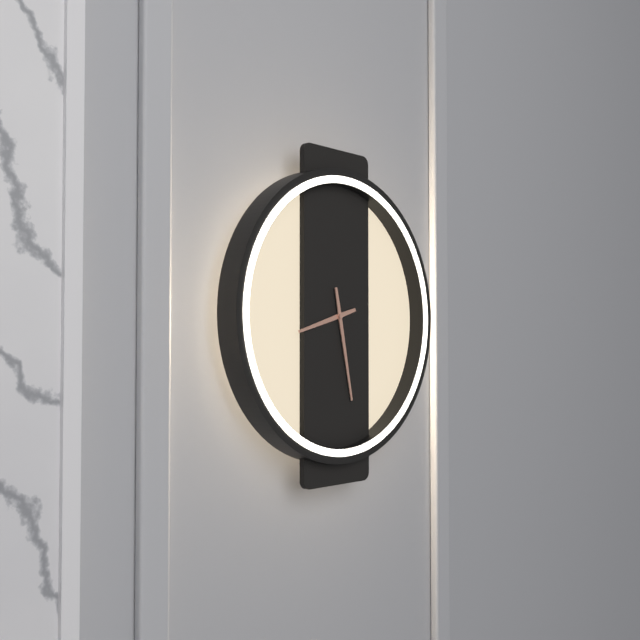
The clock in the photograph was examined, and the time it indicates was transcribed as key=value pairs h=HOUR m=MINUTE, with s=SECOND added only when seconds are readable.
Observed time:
h=8 m=28
